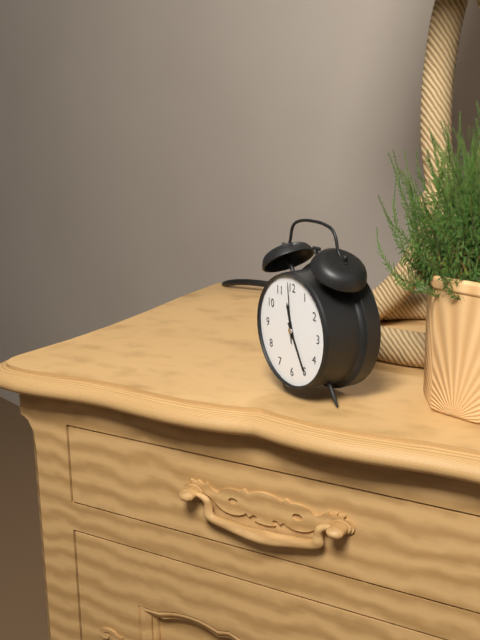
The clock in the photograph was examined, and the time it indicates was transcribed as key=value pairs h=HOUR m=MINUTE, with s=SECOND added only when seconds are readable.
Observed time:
h=11 m=25 s=59
